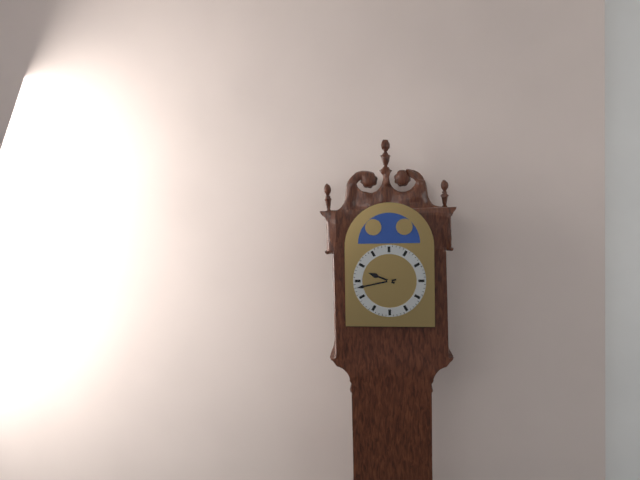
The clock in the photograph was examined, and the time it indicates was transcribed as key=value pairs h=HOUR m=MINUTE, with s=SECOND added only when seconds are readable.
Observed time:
h=9 m=43
